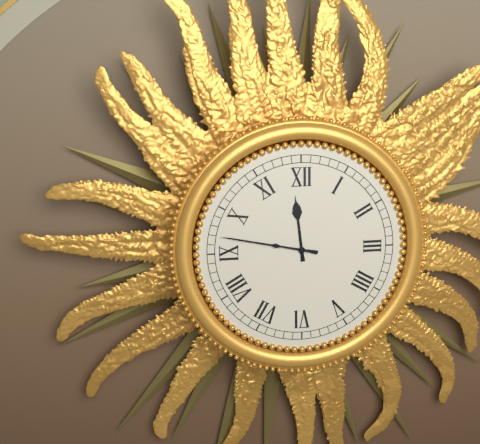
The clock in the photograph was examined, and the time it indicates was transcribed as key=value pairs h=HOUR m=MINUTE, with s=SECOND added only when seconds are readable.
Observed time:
h=11 m=47
